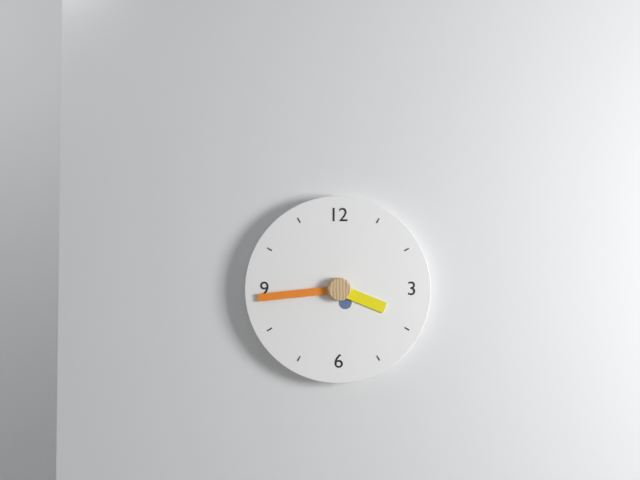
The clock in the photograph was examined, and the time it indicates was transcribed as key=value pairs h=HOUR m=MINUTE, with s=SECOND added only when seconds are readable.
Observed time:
h=3 m=44
